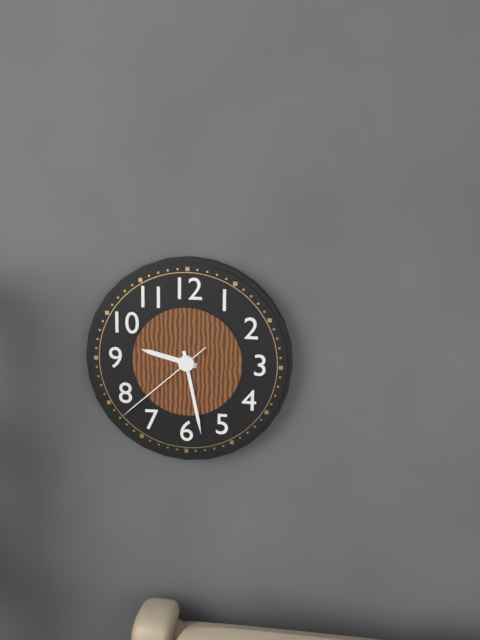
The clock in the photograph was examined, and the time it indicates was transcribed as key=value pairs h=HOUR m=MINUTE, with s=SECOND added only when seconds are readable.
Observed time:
h=9 m=28 s=38
